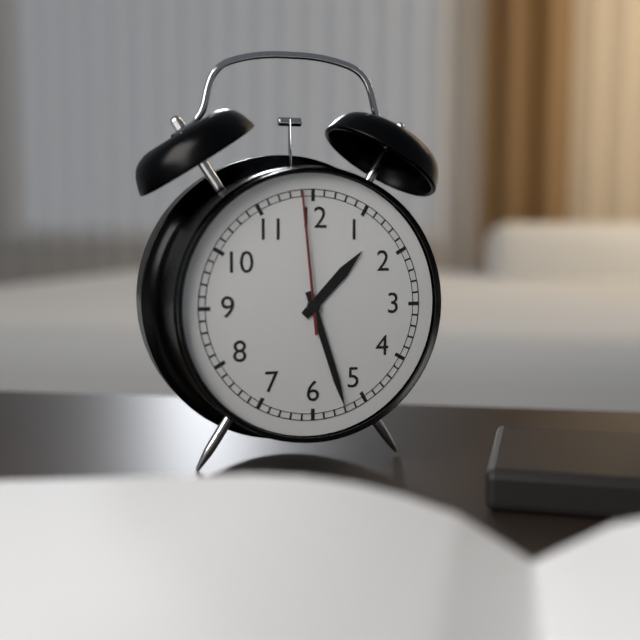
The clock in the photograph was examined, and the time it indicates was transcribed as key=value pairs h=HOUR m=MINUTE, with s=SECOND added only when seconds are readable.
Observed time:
h=1 m=27 s=59
